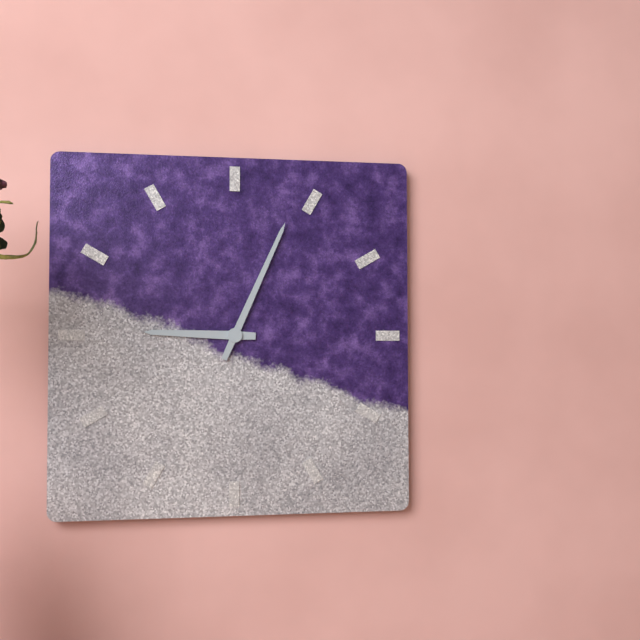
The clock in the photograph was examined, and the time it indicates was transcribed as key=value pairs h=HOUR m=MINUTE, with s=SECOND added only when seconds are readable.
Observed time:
h=9 m=4
